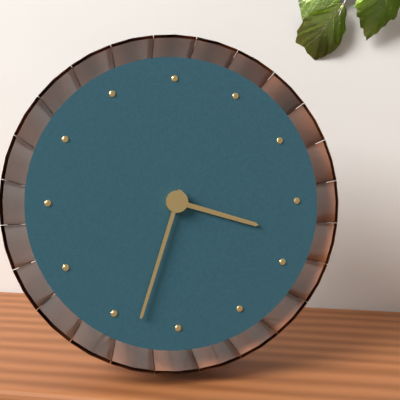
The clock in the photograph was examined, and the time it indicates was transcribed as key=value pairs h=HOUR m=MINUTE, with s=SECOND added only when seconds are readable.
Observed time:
h=3 m=33
